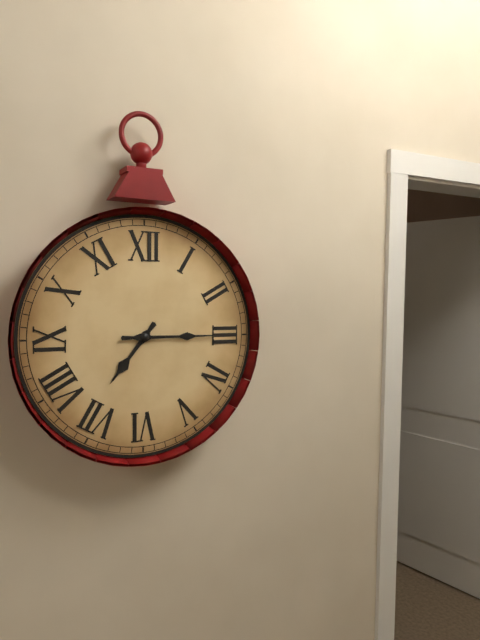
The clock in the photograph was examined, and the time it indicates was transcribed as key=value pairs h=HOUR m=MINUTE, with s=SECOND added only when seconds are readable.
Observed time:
h=7 m=15
